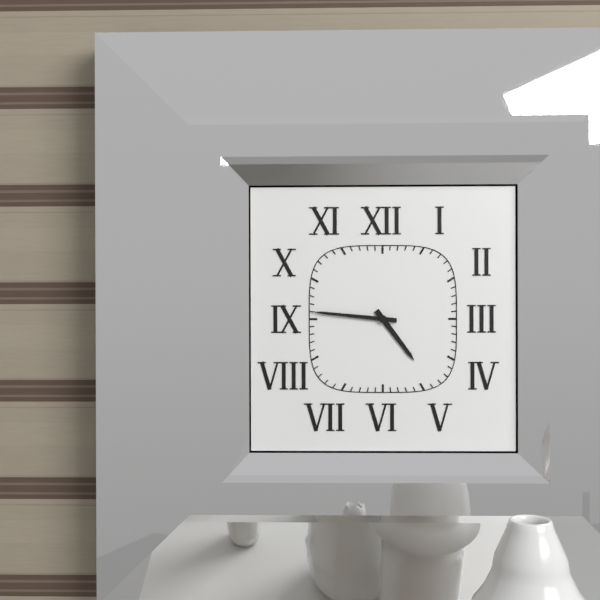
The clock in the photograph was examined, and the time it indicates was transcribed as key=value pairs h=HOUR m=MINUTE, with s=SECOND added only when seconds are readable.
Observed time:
h=4 m=46
